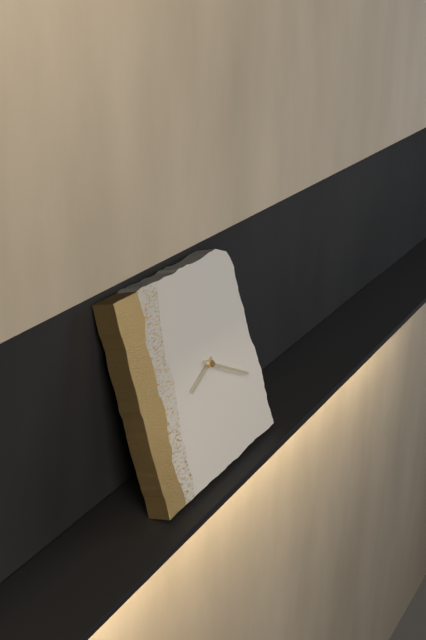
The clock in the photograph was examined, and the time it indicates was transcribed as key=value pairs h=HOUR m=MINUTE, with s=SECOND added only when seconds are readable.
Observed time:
h=8 m=20
